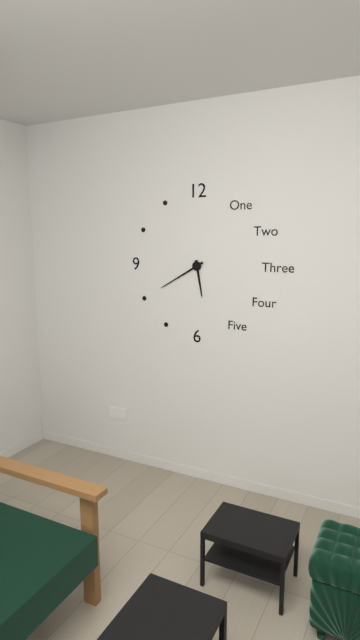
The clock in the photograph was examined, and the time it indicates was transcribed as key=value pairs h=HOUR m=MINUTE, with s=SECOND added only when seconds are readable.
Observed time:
h=5 m=40
